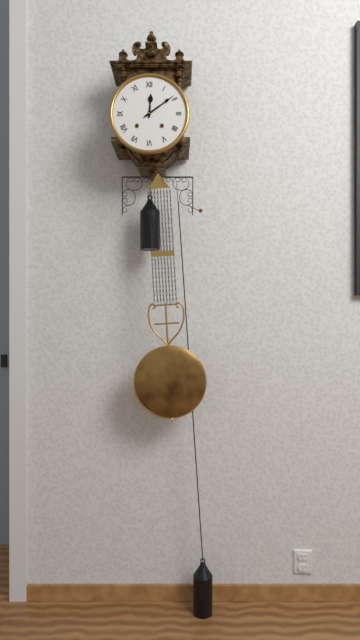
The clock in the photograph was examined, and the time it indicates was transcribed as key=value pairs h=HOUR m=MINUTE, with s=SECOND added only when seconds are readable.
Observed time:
h=12 m=9
